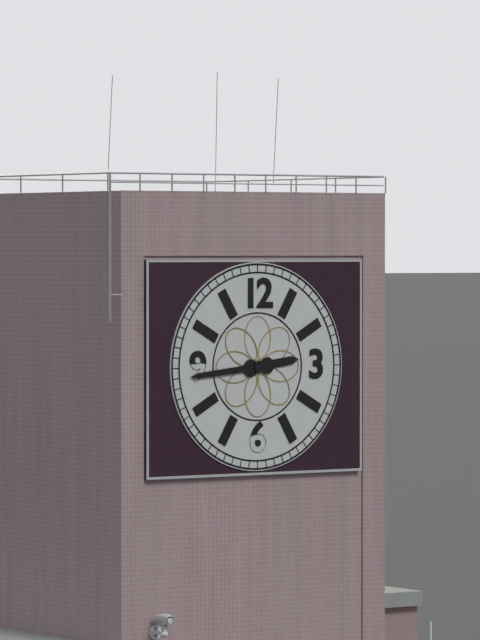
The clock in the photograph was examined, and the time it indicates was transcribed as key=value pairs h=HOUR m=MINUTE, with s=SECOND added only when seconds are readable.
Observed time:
h=2 m=44
